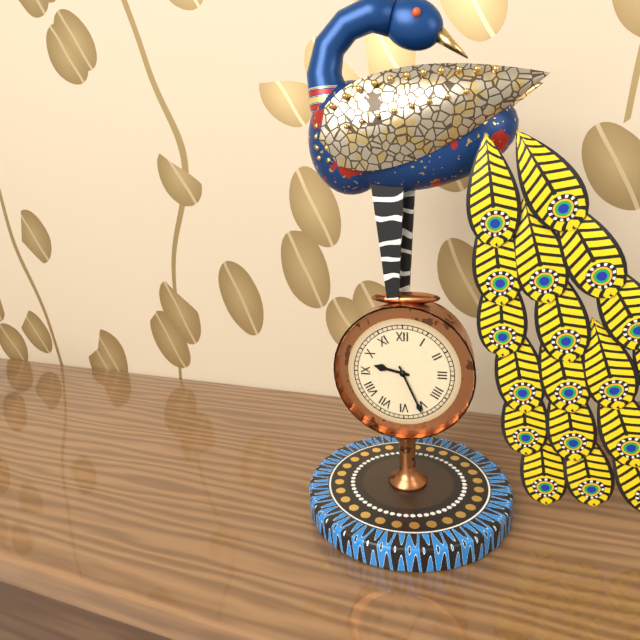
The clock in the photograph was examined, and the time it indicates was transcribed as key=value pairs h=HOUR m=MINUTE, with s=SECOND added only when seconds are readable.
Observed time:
h=9 m=26
